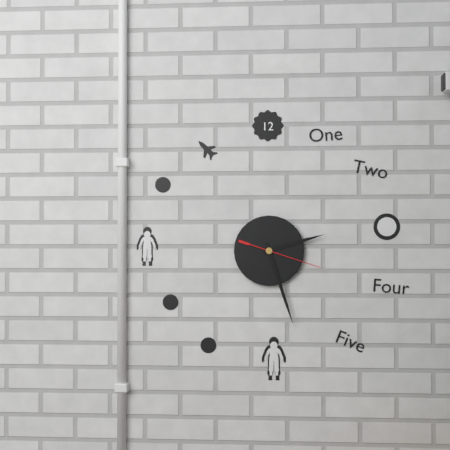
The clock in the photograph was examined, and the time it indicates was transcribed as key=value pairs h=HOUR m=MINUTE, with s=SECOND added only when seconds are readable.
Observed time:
h=2 m=27 s=18
